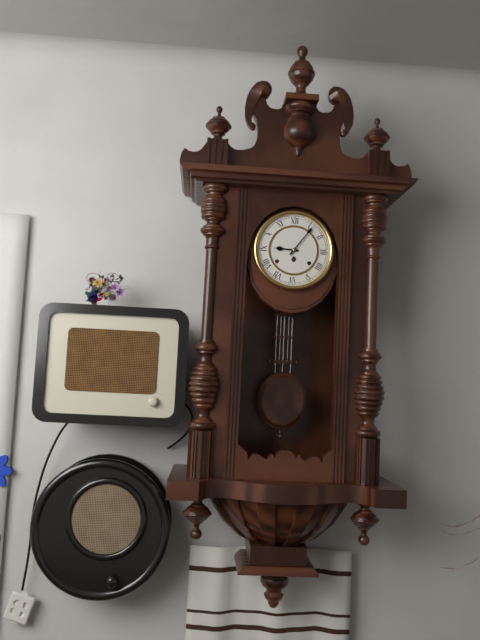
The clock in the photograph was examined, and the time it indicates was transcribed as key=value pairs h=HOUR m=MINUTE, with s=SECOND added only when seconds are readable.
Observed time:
h=9 m=6
